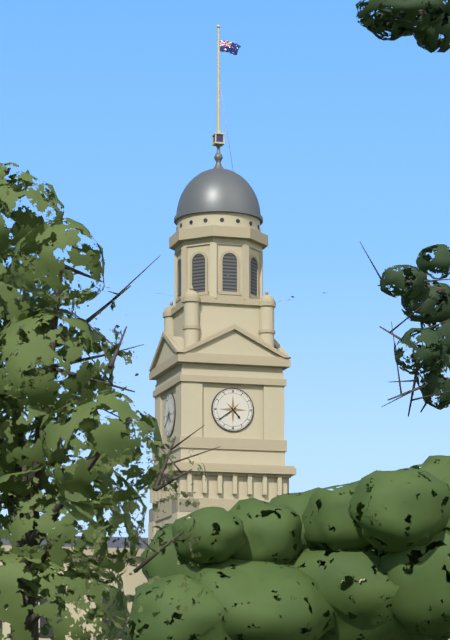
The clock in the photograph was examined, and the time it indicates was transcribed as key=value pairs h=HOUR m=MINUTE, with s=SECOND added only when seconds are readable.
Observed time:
h=4 m=39
